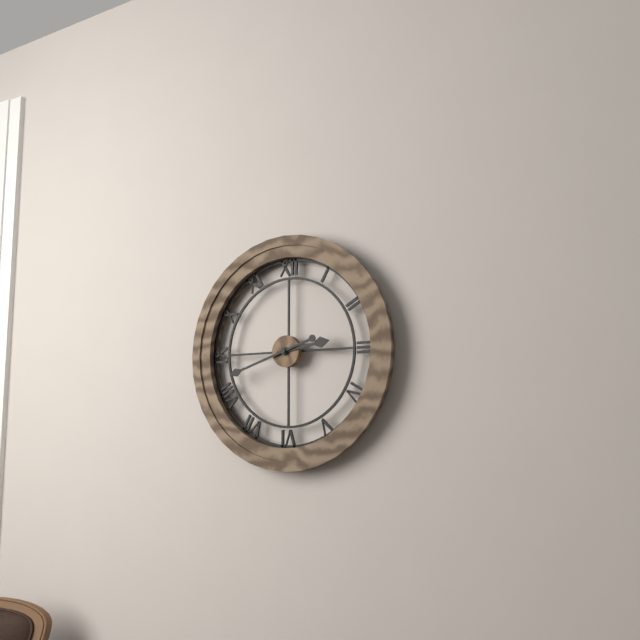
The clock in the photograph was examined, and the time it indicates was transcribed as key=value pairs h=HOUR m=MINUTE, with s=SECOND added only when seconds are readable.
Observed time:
h=2 m=42
